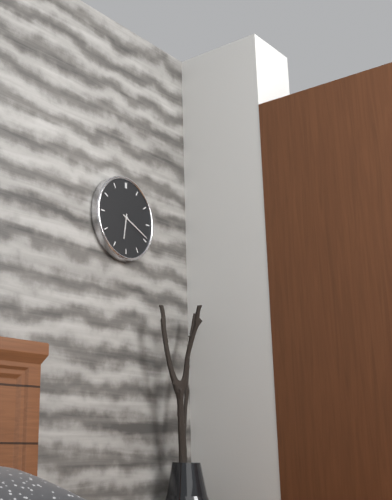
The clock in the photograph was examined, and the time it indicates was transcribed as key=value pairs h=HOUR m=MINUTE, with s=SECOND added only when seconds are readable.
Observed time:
h=6 m=19
